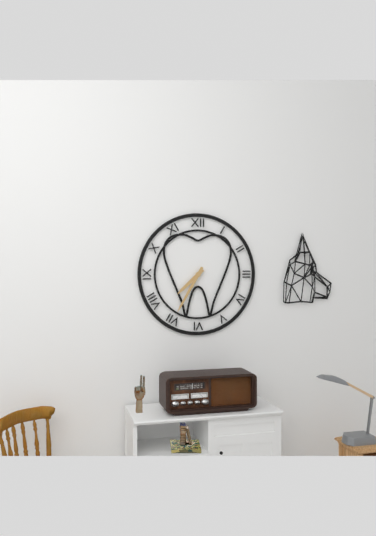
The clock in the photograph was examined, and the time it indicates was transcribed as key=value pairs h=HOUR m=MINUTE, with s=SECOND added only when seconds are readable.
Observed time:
h=7 m=35
